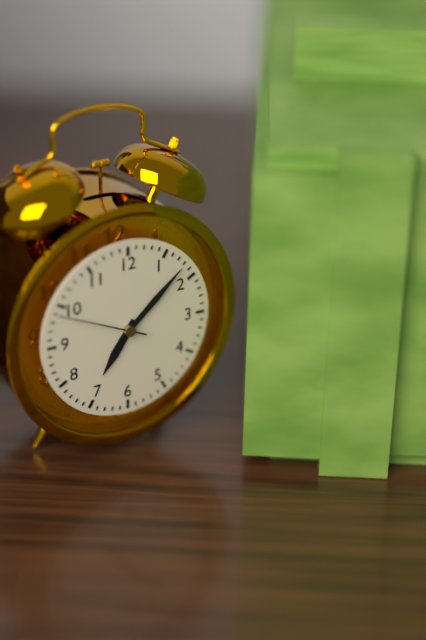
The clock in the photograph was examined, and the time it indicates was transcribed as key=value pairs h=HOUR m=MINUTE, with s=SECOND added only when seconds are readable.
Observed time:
h=7 m=8 s=49
